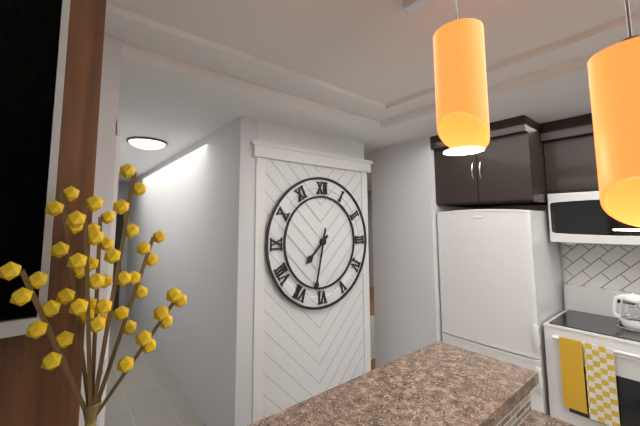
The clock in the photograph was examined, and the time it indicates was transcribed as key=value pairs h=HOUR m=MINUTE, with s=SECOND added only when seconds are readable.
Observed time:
h=7 m=32
